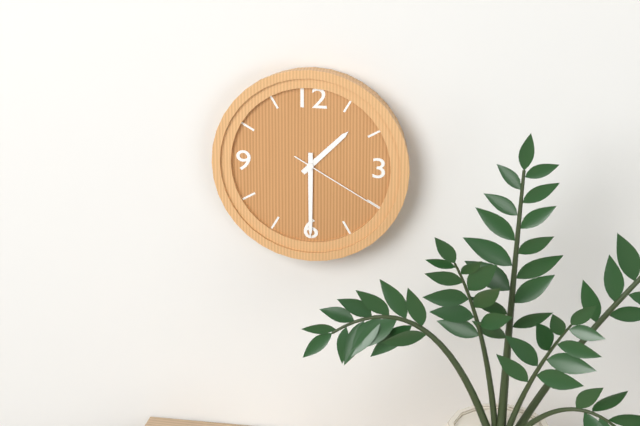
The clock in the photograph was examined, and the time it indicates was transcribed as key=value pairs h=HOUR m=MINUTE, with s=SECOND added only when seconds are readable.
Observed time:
h=1 m=30 s=20
